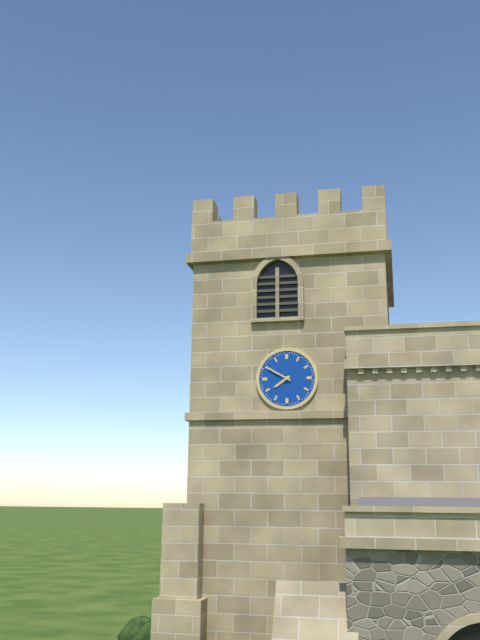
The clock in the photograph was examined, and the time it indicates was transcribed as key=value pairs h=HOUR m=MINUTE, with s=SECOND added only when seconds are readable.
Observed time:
h=7 m=50
